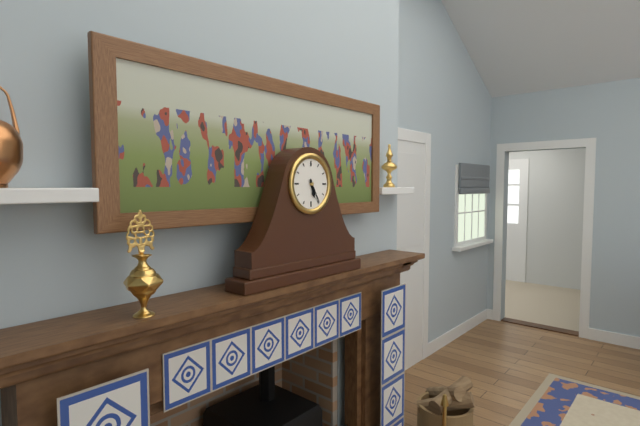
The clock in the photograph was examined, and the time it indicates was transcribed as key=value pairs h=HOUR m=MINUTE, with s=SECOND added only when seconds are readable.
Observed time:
h=5 m=25
